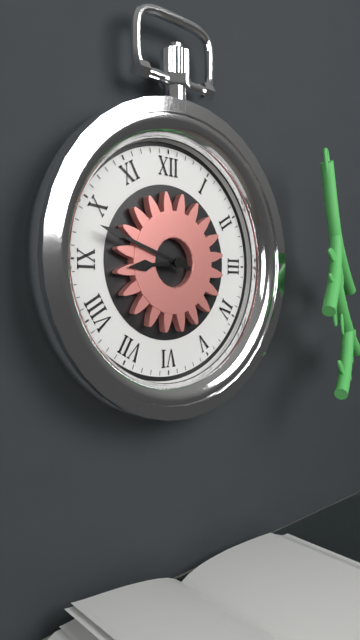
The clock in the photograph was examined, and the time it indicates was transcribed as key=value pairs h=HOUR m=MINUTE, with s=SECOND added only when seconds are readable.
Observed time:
h=8 m=48
